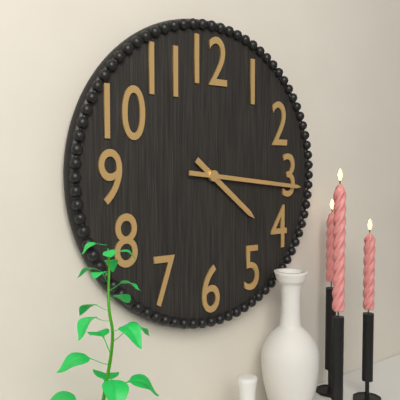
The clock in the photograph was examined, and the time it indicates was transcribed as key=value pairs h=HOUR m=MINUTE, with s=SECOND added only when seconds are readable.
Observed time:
h=4 m=16
